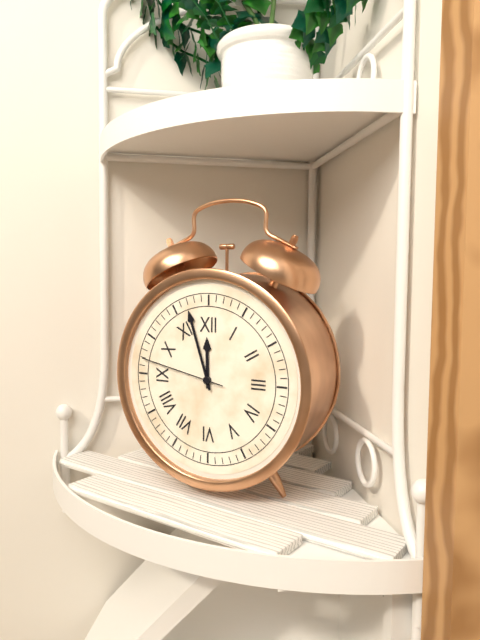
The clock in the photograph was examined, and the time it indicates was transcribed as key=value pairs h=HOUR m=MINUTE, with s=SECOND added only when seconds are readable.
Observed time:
h=11 m=57 s=47
